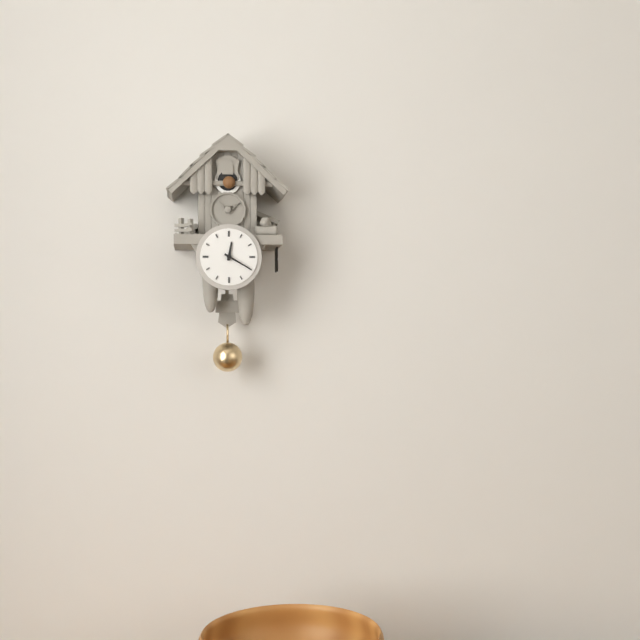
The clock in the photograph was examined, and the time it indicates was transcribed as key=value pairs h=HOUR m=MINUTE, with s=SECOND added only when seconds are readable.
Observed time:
h=12 m=20
